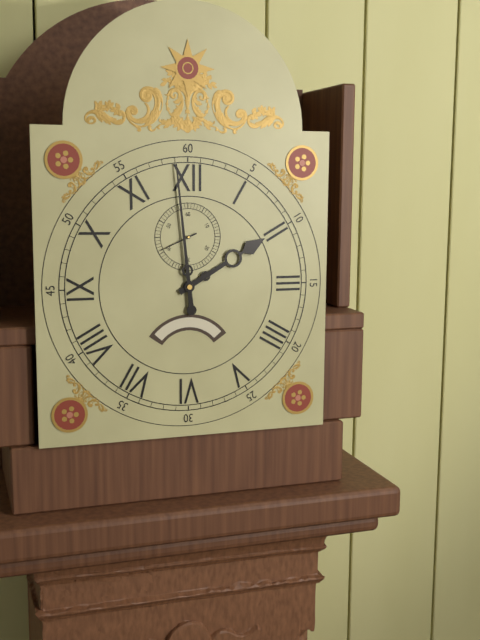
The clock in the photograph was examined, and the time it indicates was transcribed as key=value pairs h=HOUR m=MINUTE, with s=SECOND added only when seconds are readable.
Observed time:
h=1 m=59
